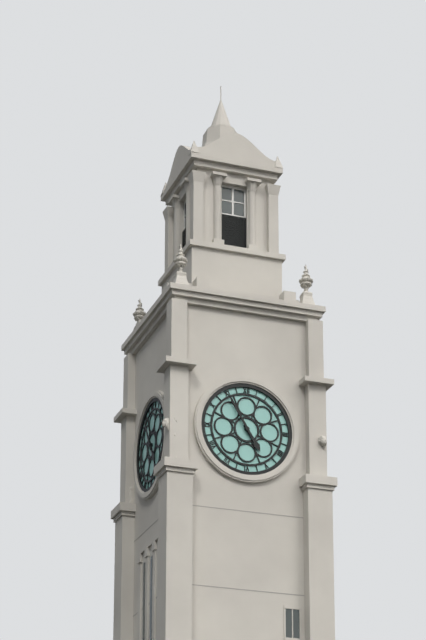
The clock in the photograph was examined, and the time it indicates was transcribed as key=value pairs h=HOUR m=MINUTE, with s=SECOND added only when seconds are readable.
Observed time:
h=4 m=55
